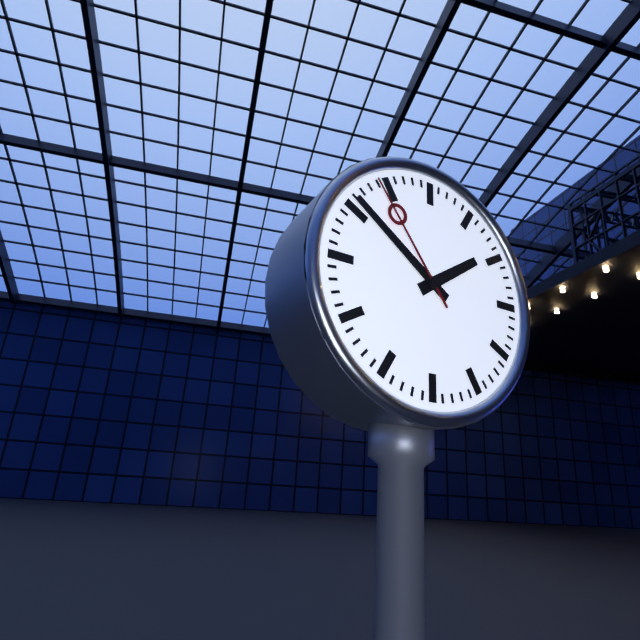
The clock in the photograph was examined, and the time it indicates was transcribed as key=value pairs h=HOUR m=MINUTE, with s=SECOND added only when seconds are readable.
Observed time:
h=1 m=51 s=54
